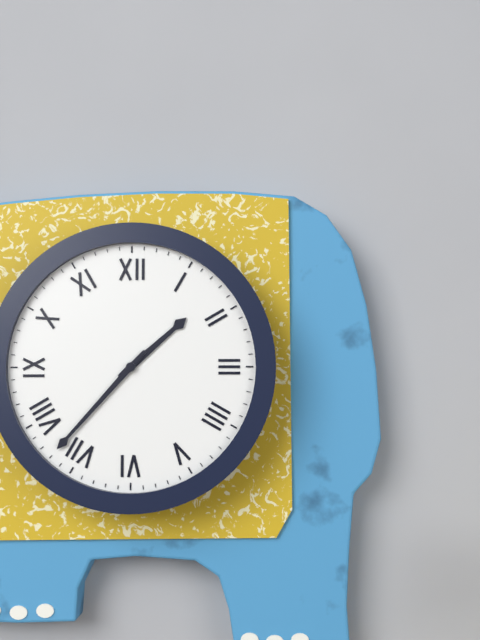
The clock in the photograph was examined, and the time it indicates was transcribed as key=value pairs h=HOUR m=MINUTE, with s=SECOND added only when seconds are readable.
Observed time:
h=1 m=37
